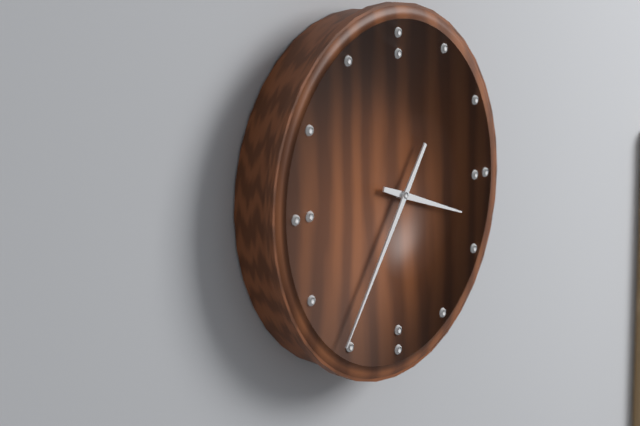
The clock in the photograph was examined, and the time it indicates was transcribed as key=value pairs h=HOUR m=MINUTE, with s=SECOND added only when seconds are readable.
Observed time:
h=3 m=36
